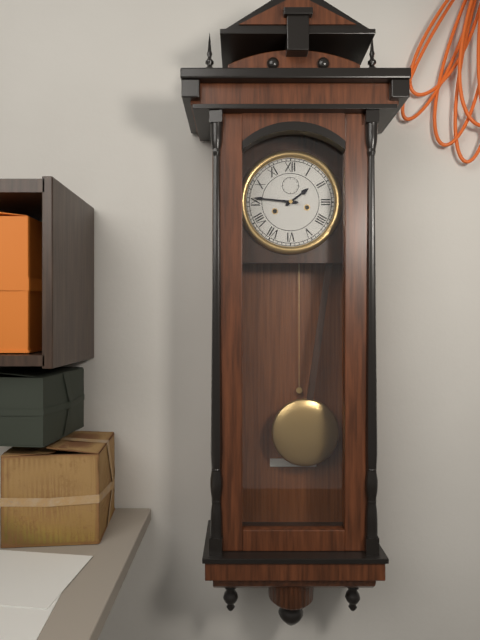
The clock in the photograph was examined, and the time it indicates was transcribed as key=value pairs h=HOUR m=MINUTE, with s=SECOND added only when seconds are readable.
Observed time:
h=1 m=46
